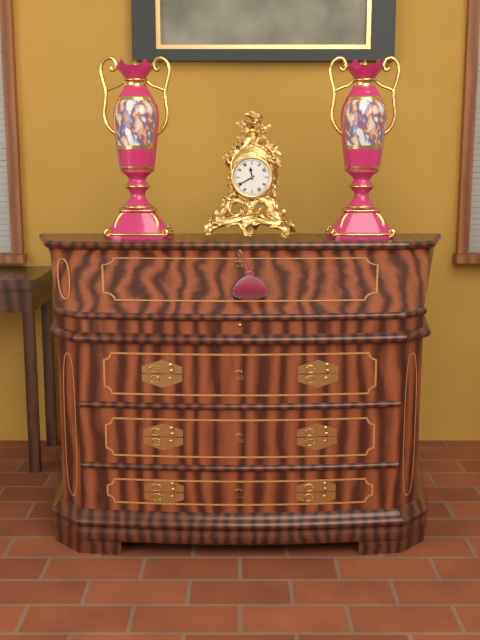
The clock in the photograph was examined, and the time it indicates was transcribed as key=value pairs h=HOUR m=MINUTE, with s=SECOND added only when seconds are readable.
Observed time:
h=11 m=40
